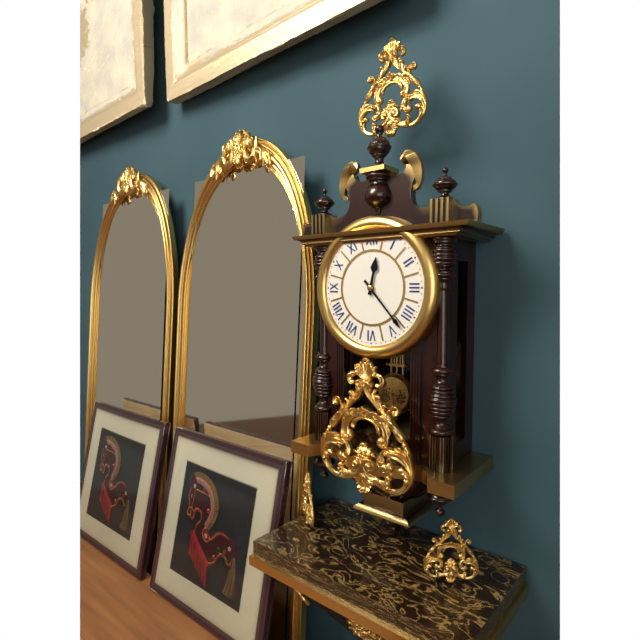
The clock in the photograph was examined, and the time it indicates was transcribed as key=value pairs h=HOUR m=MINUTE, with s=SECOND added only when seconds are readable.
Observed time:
h=12 m=23
